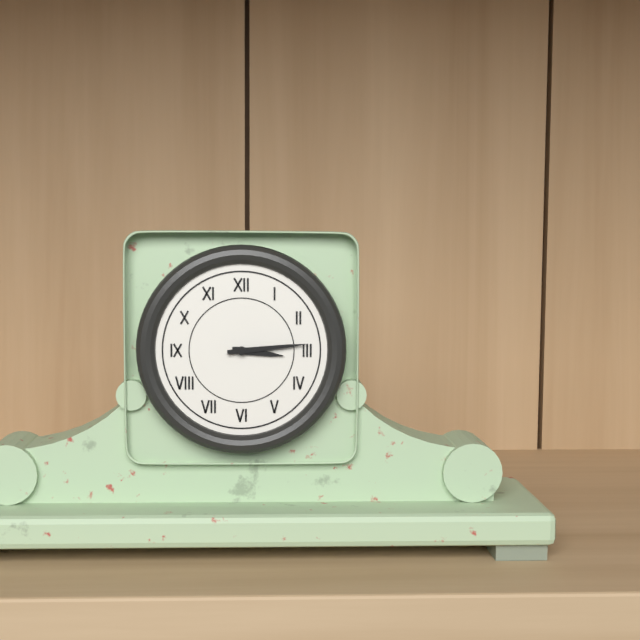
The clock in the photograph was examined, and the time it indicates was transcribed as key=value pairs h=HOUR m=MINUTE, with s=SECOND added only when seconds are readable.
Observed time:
h=3 m=14
